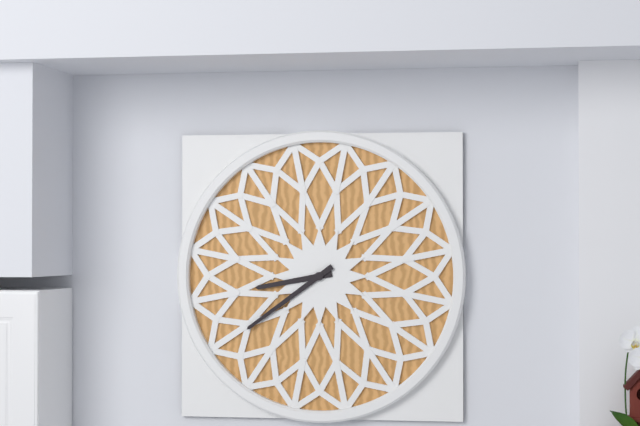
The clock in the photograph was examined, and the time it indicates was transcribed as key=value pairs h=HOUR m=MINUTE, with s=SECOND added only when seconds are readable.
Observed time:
h=8 m=39
